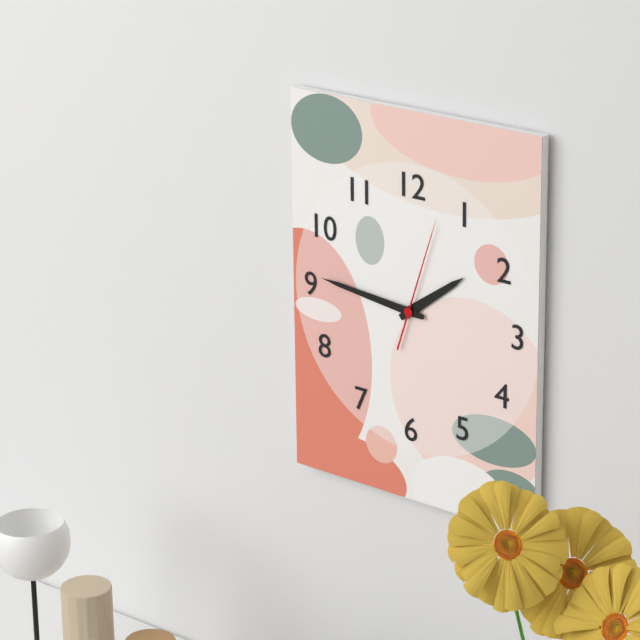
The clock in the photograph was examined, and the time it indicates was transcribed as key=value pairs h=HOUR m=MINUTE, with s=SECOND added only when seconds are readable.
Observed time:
h=1 m=46 s=3
